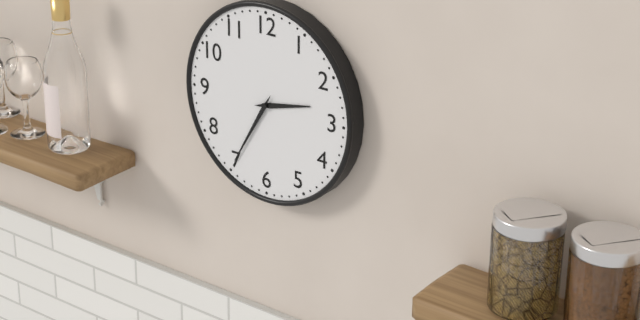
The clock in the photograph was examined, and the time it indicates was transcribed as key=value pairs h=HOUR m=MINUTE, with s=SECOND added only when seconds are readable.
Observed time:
h=2 m=35
